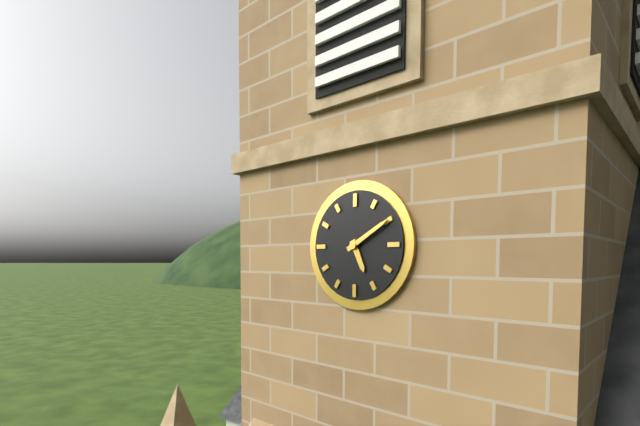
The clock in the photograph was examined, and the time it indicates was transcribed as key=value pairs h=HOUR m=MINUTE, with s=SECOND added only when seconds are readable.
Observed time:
h=5 m=10
